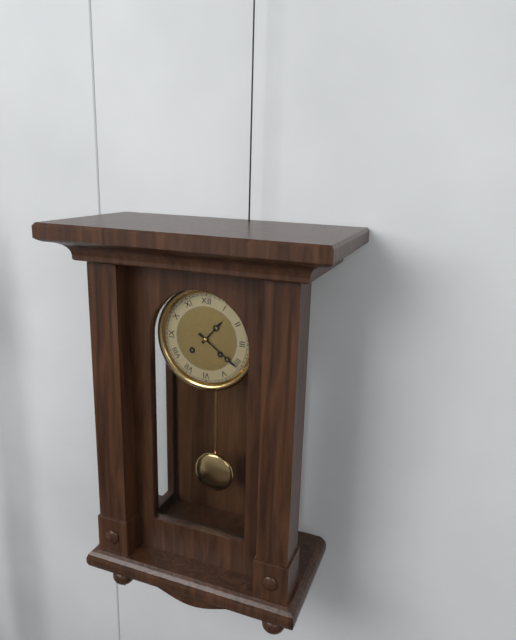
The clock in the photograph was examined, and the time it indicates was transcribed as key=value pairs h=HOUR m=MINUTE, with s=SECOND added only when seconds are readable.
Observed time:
h=1 m=21
